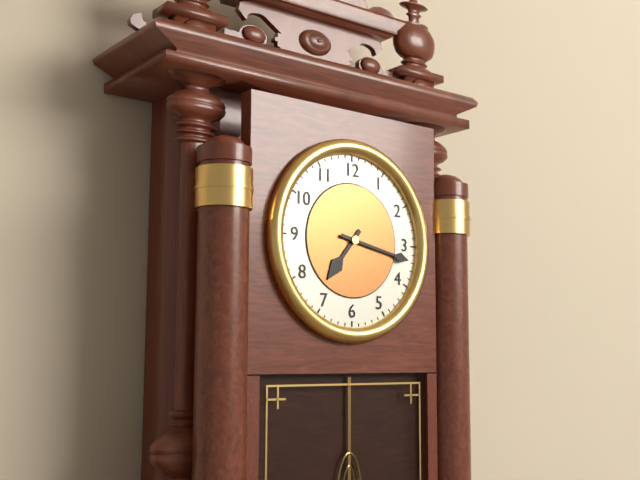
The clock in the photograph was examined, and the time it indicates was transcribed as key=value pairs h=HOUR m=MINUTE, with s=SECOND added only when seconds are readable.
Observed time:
h=7 m=17
